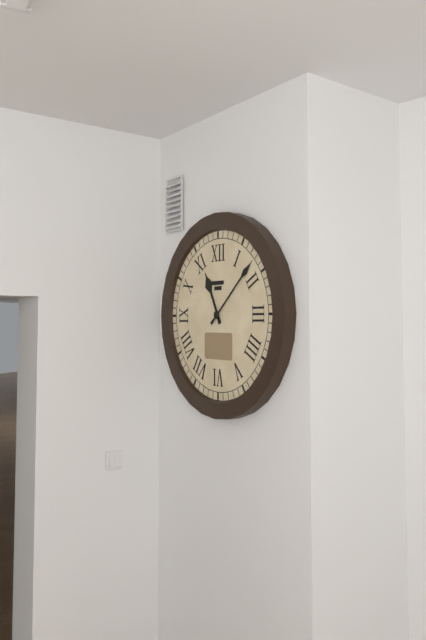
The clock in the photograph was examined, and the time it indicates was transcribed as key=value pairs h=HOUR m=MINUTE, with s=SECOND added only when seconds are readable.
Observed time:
h=11 m=8
